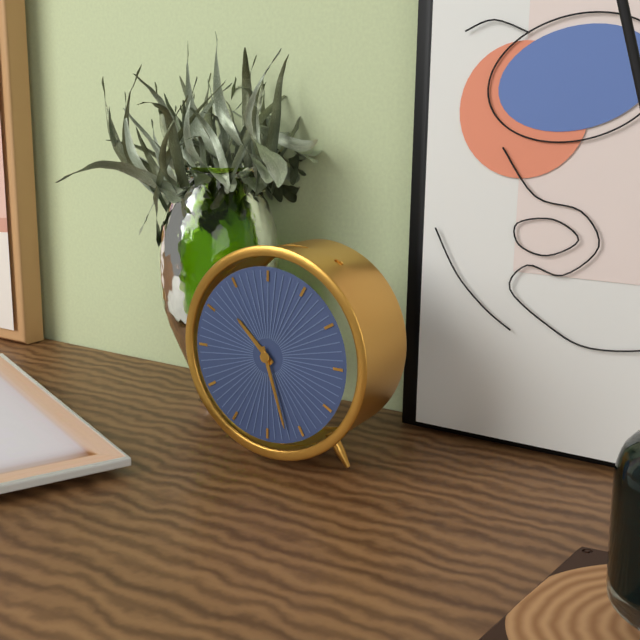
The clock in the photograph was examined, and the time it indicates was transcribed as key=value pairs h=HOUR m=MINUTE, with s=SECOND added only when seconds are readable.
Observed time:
h=10 m=27
